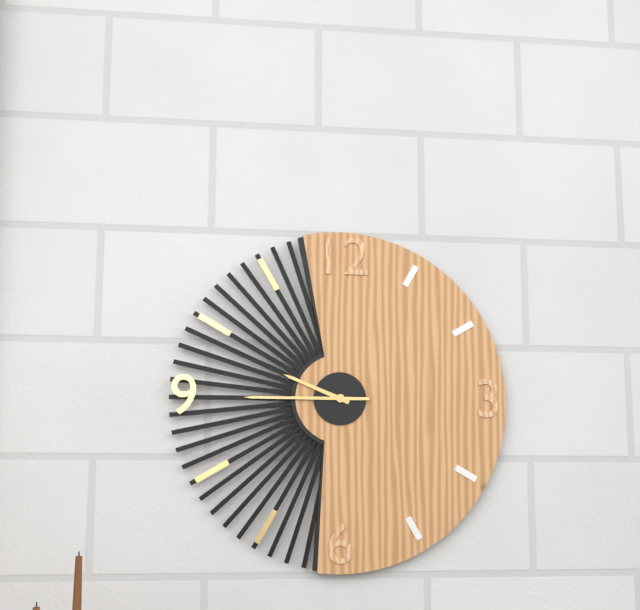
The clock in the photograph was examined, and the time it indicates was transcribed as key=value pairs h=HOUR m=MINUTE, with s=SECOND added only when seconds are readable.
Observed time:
h=9 m=45
